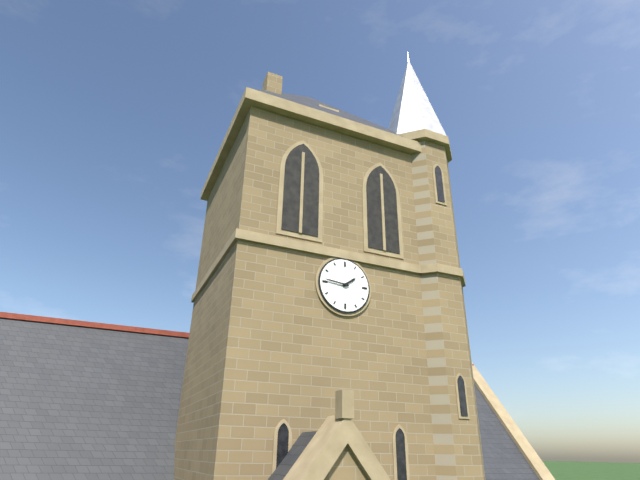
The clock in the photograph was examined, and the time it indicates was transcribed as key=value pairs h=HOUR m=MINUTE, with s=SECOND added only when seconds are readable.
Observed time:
h=1 m=46
